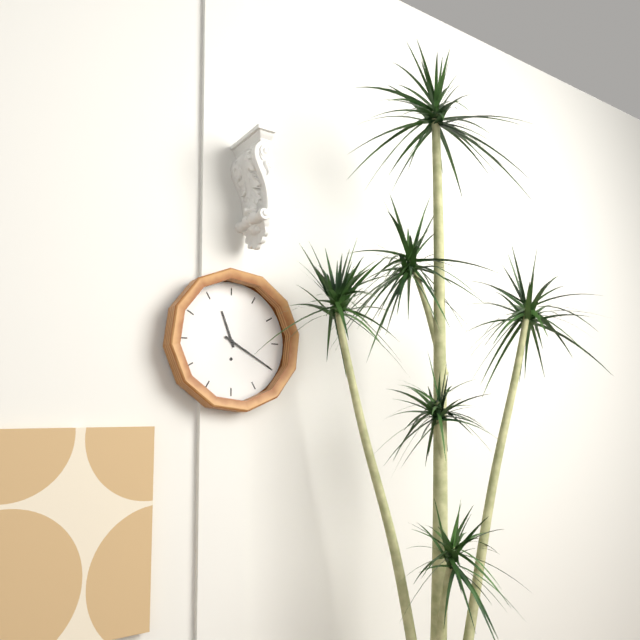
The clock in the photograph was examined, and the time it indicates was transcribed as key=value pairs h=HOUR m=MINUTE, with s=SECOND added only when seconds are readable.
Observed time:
h=11 m=20
